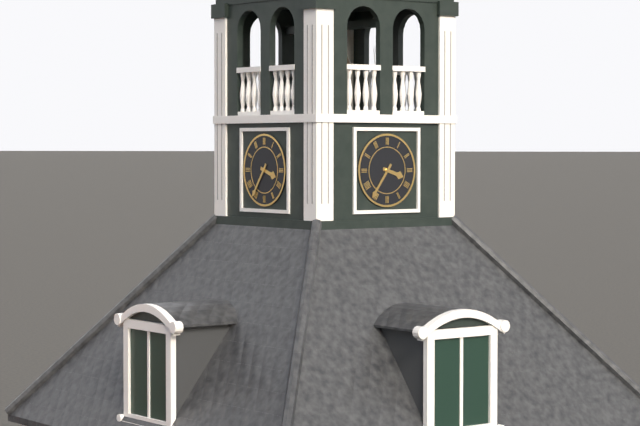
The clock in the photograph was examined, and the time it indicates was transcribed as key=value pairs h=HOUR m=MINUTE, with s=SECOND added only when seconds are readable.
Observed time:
h=3 m=36
